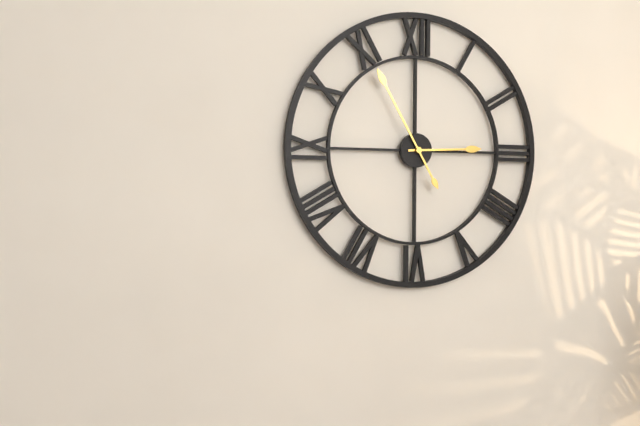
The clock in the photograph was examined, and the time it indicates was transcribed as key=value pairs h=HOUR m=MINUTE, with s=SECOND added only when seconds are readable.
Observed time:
h=2 m=55
